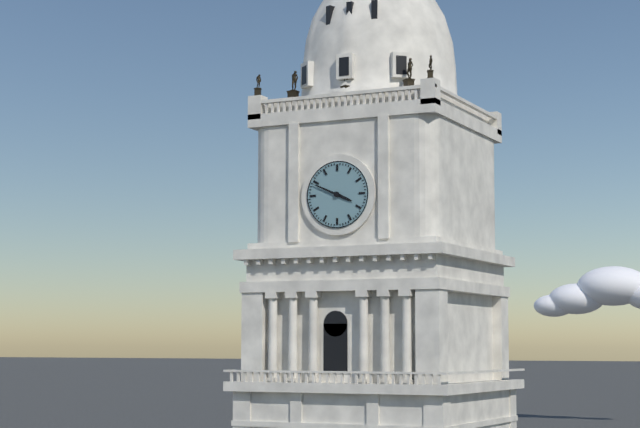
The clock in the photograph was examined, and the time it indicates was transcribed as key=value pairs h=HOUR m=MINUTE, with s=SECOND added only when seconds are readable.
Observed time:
h=3 m=49
